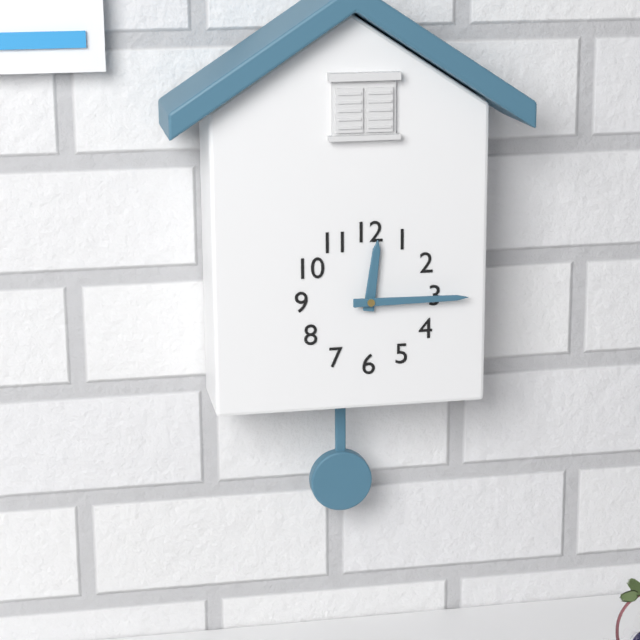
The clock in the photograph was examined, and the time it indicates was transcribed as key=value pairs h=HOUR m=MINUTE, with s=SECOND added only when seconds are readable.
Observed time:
h=12 m=15
